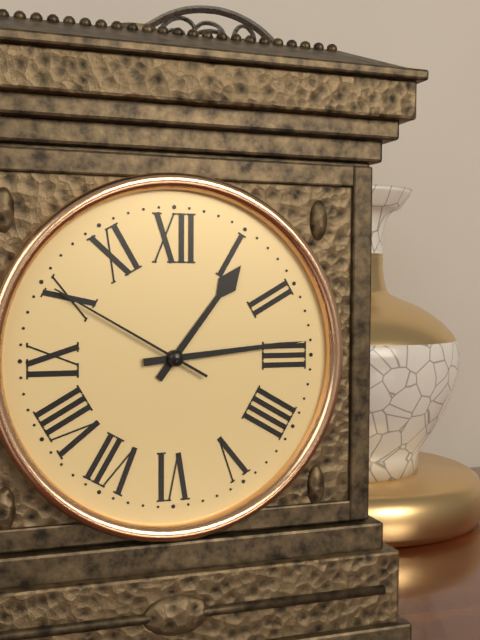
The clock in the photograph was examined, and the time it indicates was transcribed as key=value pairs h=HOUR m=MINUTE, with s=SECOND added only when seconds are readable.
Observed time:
h=1 m=14 s=50
